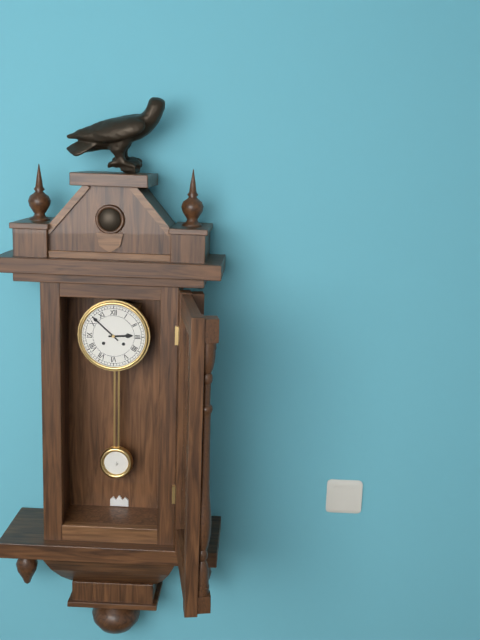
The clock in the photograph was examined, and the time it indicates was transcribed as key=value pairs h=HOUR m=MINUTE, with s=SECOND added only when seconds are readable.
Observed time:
h=2 m=52
